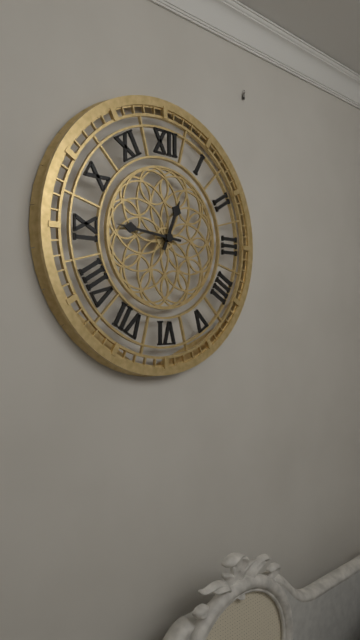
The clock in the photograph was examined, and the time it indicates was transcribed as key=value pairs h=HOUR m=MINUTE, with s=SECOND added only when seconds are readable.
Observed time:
h=12 m=46
